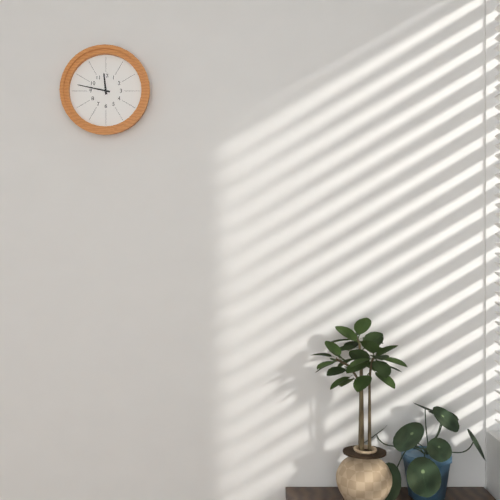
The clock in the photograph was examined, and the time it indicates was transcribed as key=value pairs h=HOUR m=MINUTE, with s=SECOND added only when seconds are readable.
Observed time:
h=11 m=47
